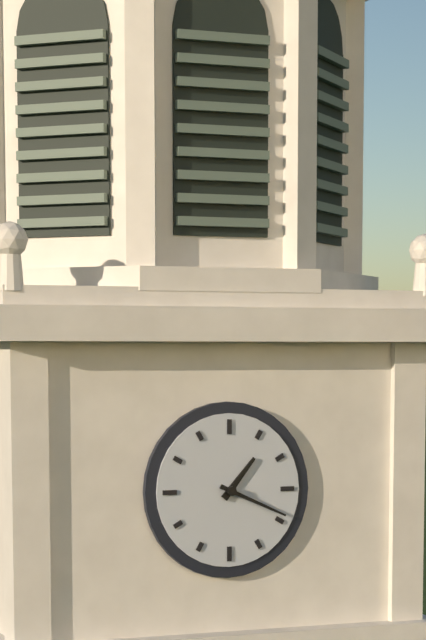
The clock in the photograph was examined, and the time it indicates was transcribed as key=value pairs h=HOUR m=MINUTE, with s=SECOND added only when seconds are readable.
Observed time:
h=1 m=19
